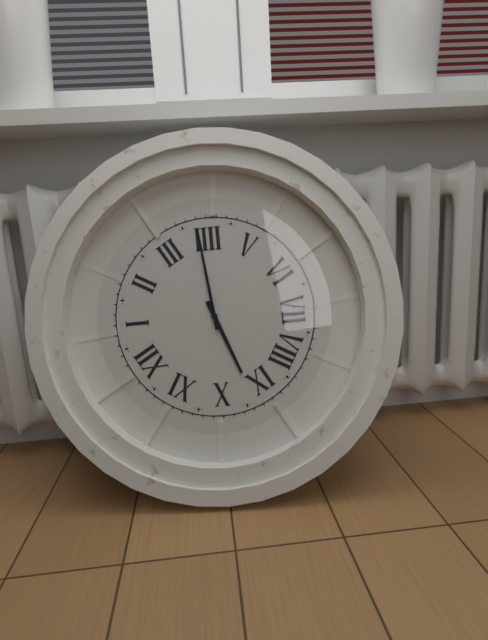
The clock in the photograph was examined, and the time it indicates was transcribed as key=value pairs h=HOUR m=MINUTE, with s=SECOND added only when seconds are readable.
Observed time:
h=9 m=19
